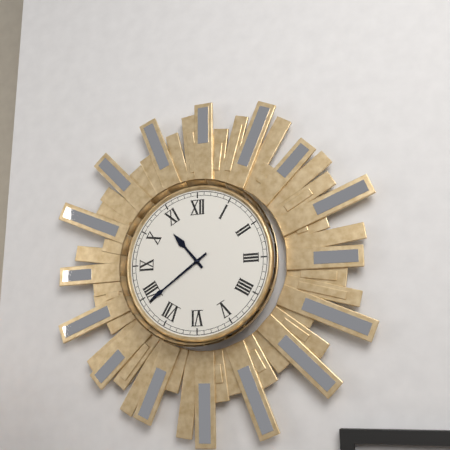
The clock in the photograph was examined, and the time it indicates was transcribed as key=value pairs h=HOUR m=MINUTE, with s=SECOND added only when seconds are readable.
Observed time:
h=10 m=39
